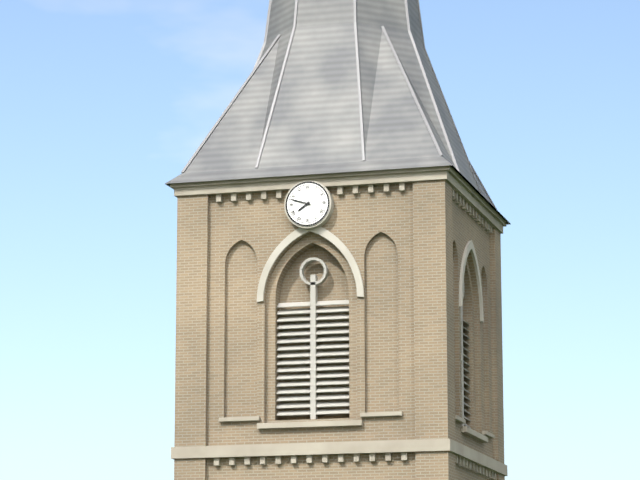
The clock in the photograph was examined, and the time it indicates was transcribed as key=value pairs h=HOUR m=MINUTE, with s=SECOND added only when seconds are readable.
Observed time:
h=7 m=48
